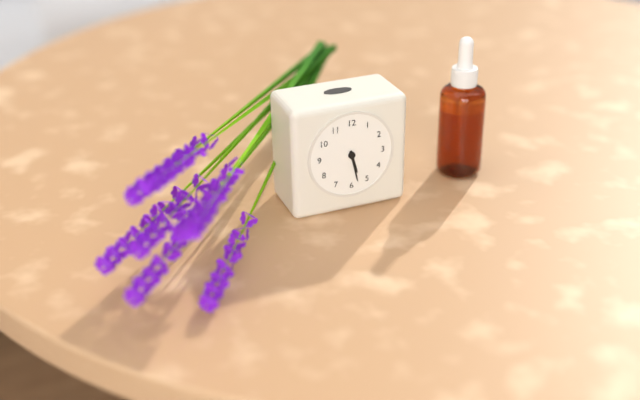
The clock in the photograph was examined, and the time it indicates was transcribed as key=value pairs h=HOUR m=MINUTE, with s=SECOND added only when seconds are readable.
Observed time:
h=5 m=28
